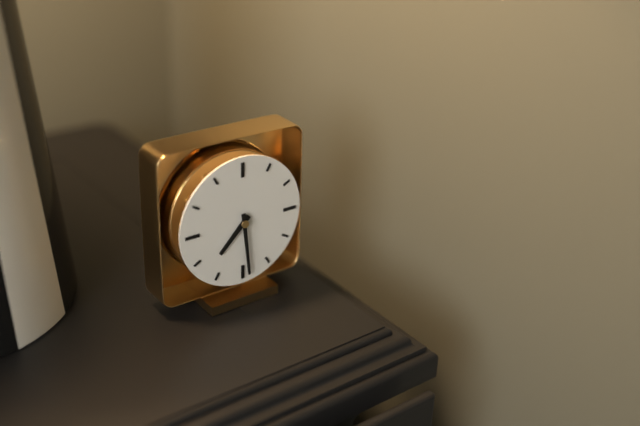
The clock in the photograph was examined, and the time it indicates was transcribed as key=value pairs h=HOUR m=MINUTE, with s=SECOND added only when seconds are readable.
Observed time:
h=7 m=29
